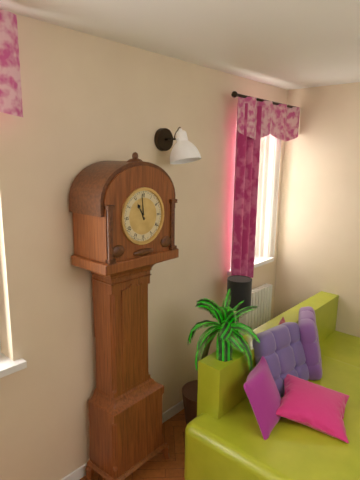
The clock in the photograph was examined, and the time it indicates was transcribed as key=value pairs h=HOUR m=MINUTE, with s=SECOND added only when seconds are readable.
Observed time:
h=10 m=59
